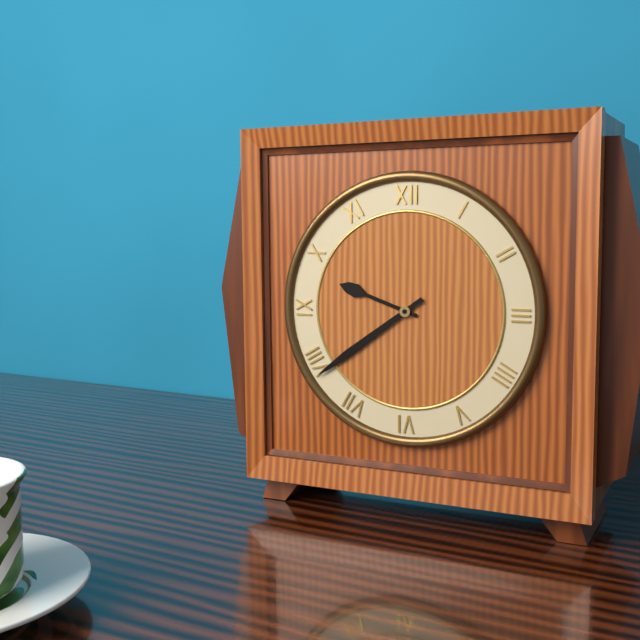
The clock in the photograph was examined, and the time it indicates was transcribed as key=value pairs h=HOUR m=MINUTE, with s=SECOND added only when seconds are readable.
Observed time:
h=9 m=39
